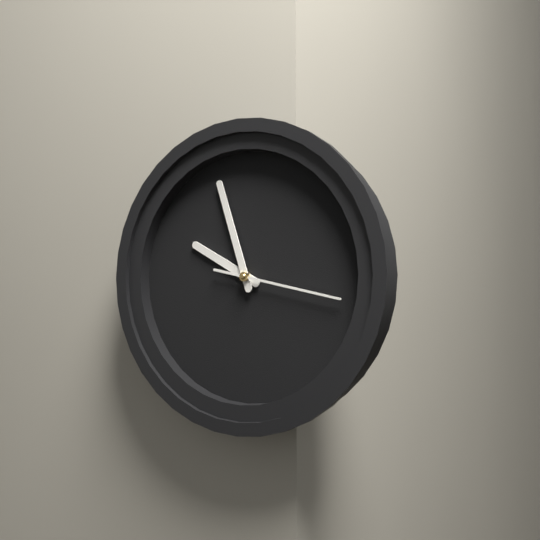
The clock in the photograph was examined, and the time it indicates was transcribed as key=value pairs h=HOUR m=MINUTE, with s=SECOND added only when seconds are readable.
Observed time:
h=9 m=57 s=17
